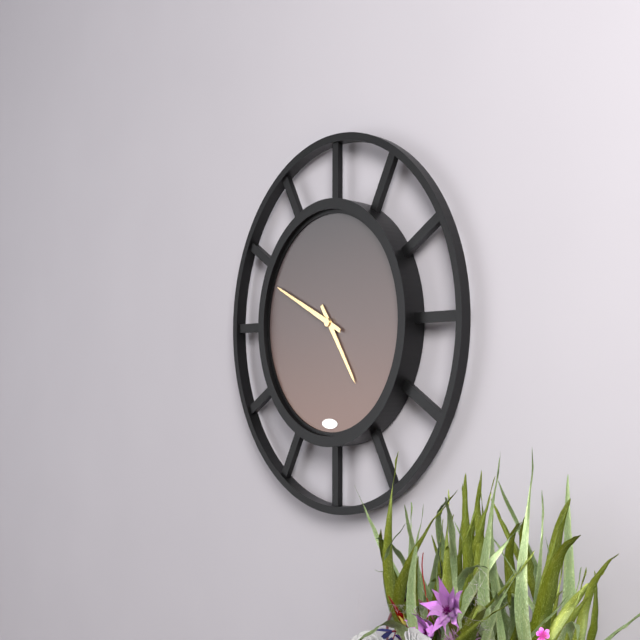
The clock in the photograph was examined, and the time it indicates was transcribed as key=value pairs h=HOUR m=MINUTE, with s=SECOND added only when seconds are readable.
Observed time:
h=4 m=49
